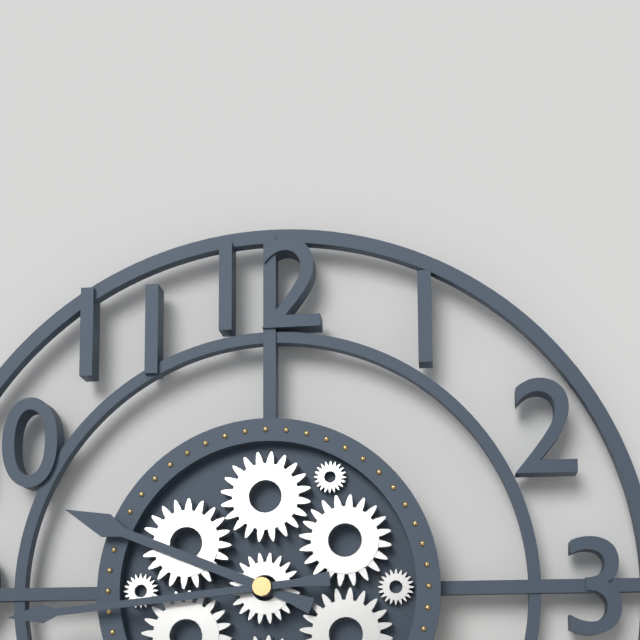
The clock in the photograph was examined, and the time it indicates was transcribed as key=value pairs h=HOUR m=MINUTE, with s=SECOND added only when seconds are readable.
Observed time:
h=9 m=44
